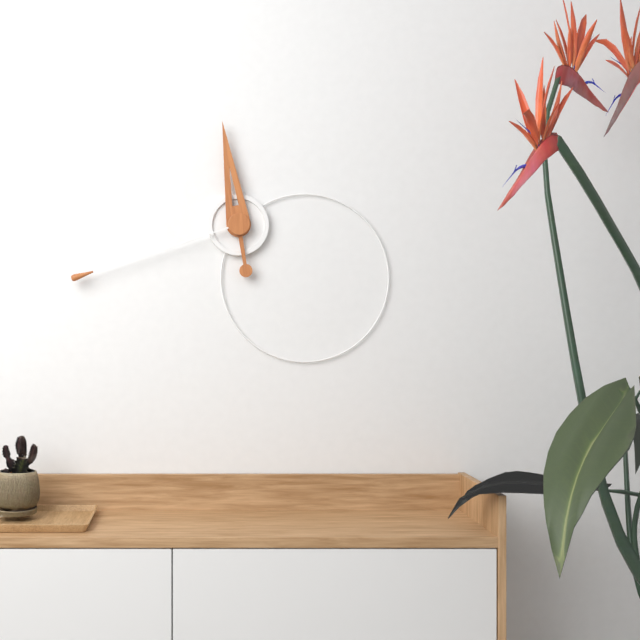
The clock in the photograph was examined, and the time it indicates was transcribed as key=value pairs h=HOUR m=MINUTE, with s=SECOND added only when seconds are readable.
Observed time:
h=11 m=42
